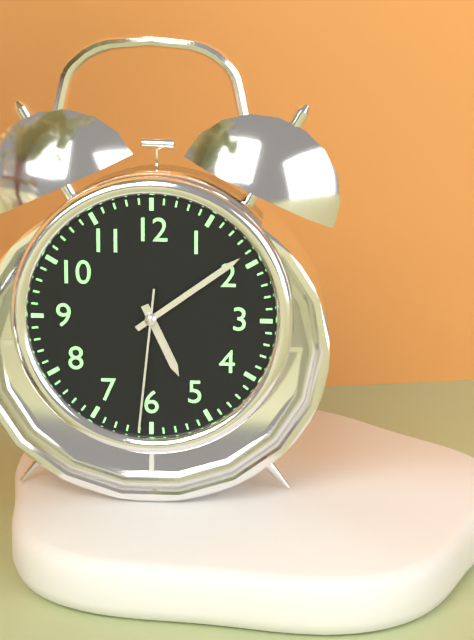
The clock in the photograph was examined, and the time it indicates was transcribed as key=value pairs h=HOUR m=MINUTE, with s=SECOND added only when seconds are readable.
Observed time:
h=5 m=9 s=31
